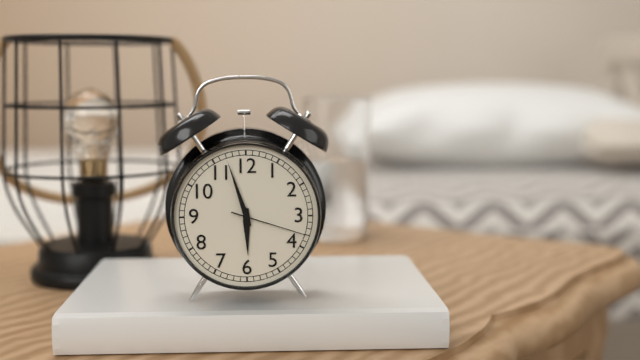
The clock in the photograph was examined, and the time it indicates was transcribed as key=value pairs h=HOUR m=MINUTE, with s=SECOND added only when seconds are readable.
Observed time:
h=5 m=57 s=18
